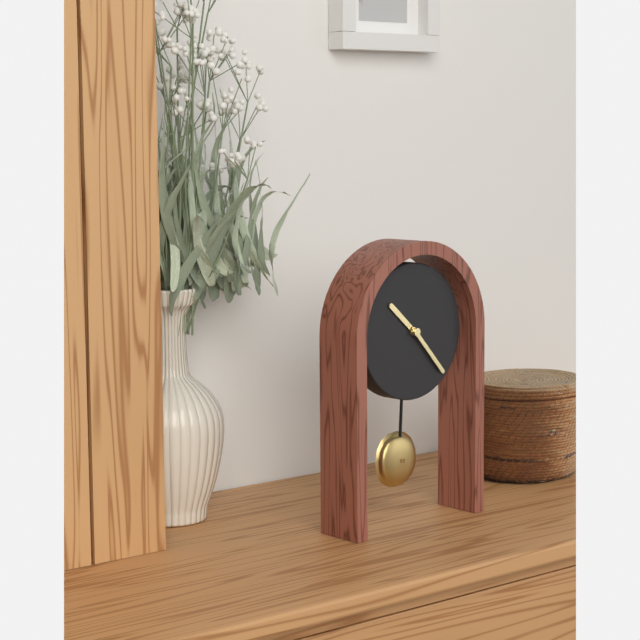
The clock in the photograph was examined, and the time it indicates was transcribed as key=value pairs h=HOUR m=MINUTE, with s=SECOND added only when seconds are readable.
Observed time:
h=10 m=23
